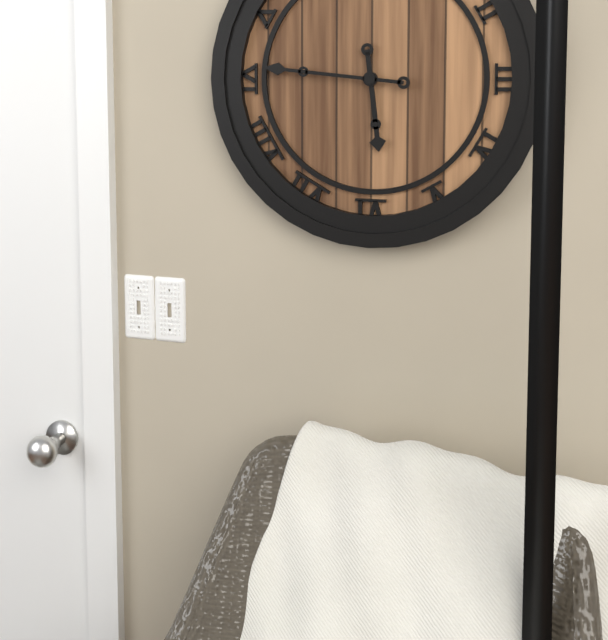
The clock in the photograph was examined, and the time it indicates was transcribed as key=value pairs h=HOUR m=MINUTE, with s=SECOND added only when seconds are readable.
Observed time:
h=5 m=46
